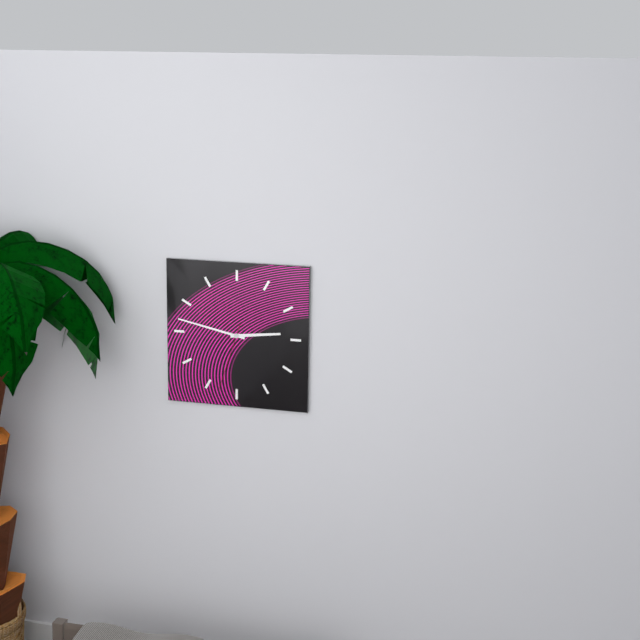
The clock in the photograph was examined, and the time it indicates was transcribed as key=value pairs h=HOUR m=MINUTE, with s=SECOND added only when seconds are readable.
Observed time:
h=2 m=47 s=33
